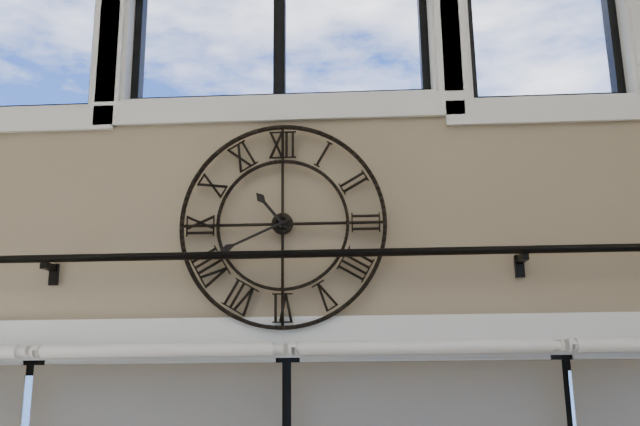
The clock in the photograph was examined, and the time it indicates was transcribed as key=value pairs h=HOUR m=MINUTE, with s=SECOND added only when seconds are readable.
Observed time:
h=10 m=41
